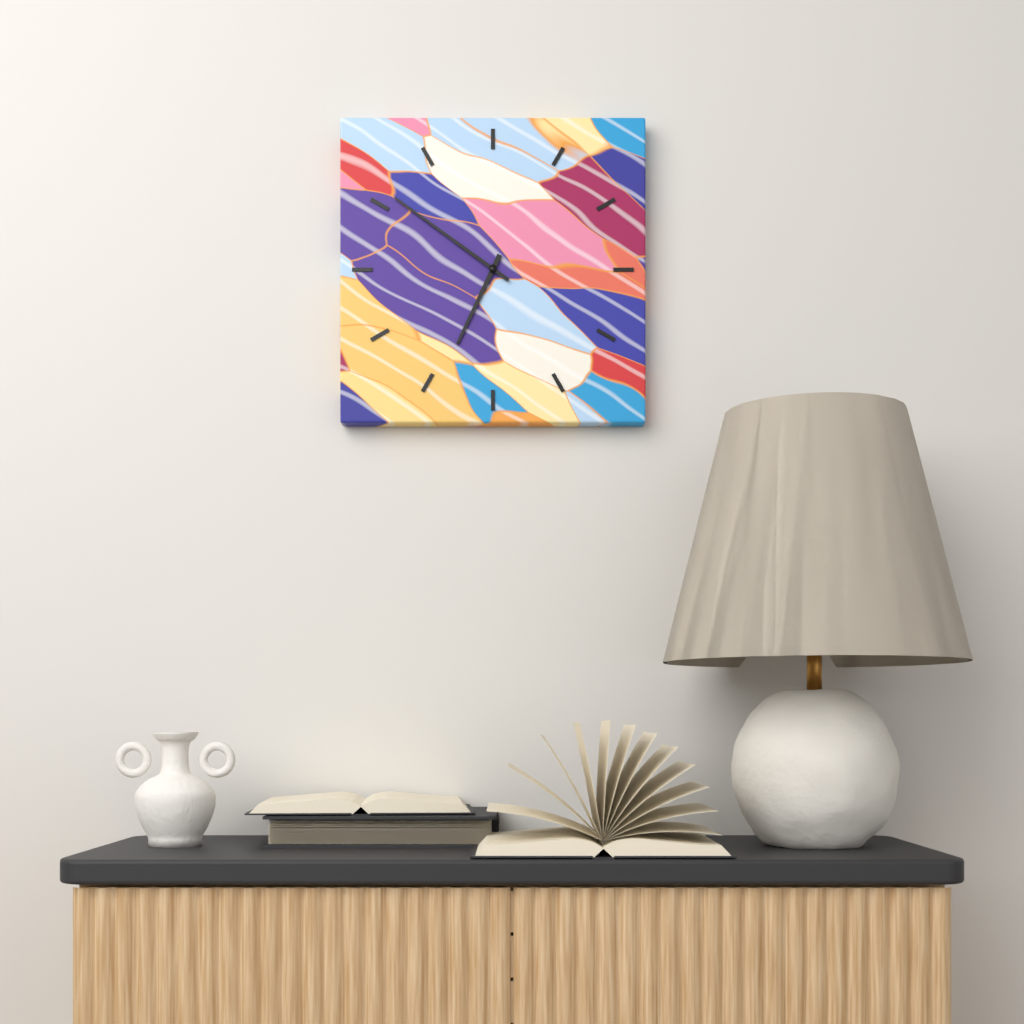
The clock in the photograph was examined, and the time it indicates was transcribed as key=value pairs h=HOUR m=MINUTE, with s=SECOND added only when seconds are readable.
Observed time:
h=6 m=51
